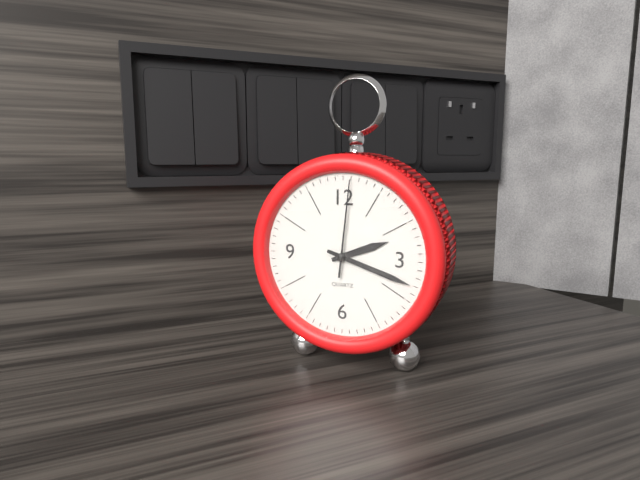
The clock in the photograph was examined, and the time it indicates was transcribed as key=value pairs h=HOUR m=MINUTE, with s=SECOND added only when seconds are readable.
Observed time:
h=2 m=18 s=1
